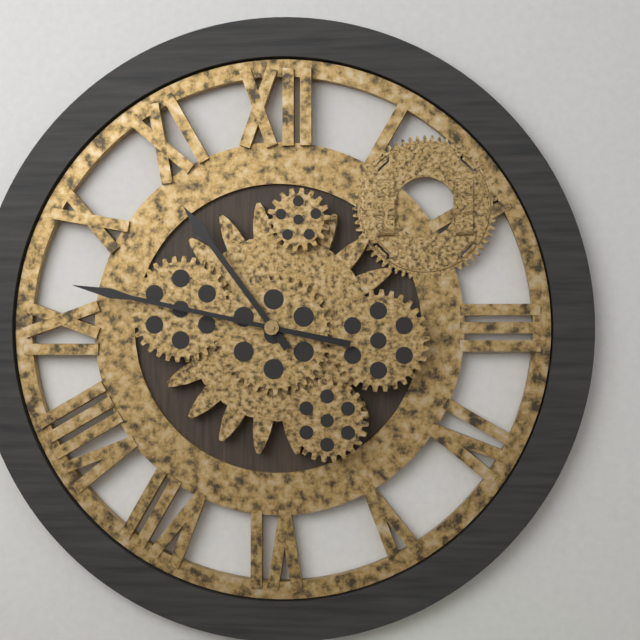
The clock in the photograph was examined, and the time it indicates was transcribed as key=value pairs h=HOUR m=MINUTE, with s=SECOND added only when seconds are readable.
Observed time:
h=10 m=47
